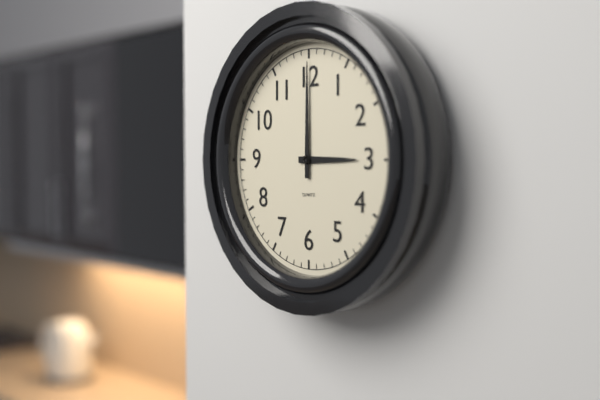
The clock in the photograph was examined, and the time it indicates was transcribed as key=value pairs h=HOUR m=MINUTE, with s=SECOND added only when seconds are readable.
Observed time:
h=3 m=0
